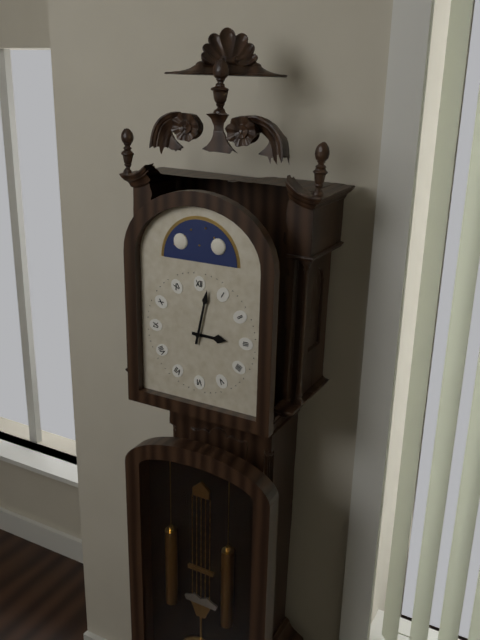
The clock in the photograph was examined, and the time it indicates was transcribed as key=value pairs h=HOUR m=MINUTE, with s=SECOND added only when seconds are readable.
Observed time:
h=3 m=2
